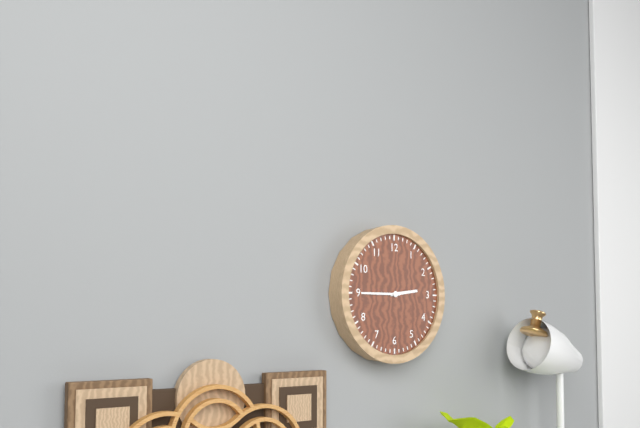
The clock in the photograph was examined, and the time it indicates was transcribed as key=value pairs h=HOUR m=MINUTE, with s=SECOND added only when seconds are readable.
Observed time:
h=2 m=45
